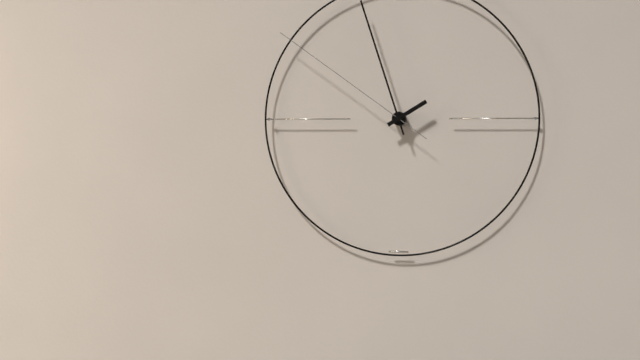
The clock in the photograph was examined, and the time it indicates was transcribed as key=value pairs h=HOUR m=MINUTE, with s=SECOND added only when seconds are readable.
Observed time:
h=1 m=57 s=51
